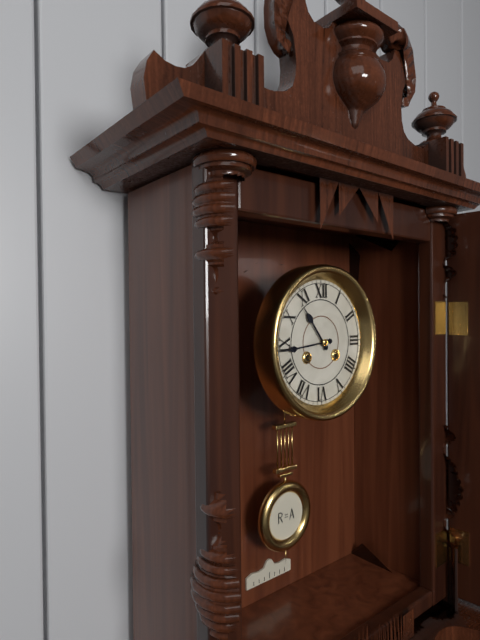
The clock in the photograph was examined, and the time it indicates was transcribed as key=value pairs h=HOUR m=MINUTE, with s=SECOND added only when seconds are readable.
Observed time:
h=10 m=44
